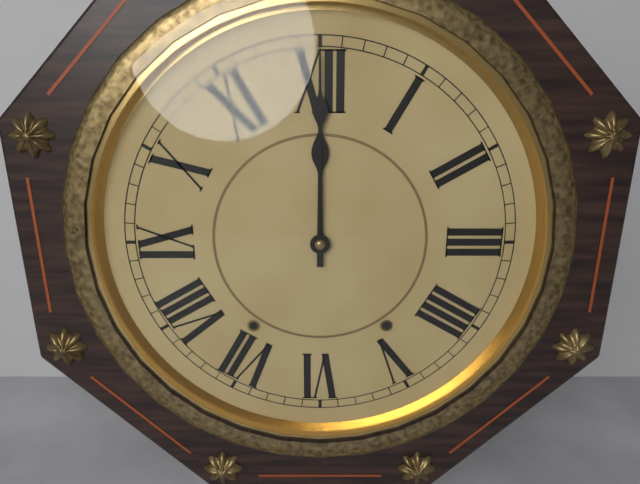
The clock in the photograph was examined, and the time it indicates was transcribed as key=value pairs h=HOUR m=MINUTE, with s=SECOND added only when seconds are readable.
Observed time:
h=12 m=0
